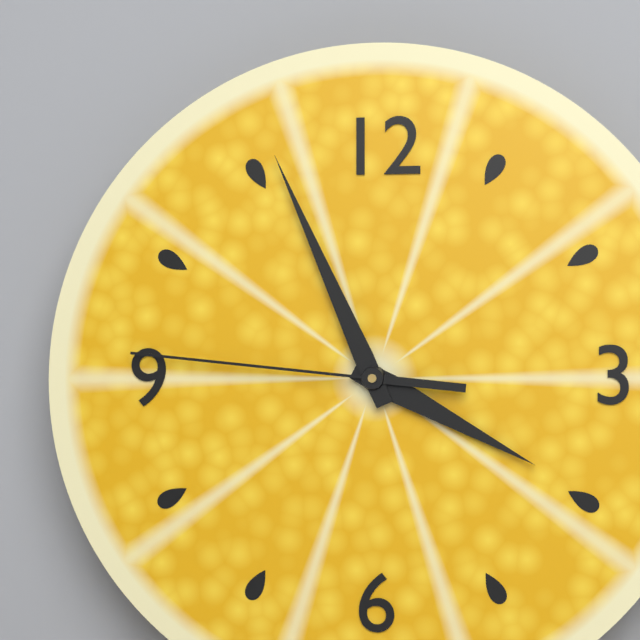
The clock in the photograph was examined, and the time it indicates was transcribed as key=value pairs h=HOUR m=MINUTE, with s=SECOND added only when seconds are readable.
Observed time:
h=3 m=56 s=46
